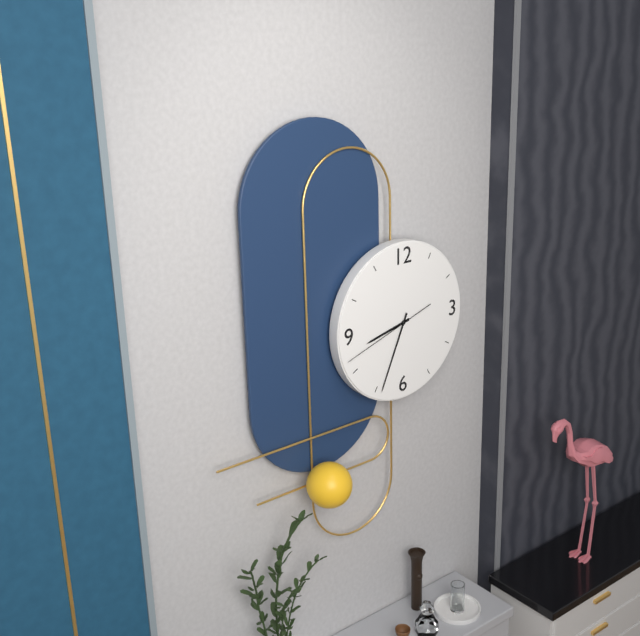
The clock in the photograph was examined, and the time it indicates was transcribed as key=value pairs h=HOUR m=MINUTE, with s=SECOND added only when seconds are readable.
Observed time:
h=8 m=34 s=42
